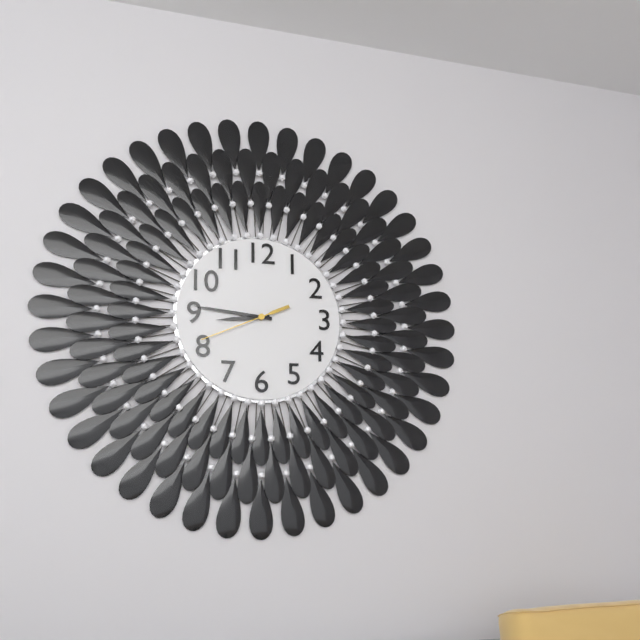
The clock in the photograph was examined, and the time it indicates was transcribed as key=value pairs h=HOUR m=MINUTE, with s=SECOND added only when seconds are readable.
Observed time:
h=8 m=46 s=41
